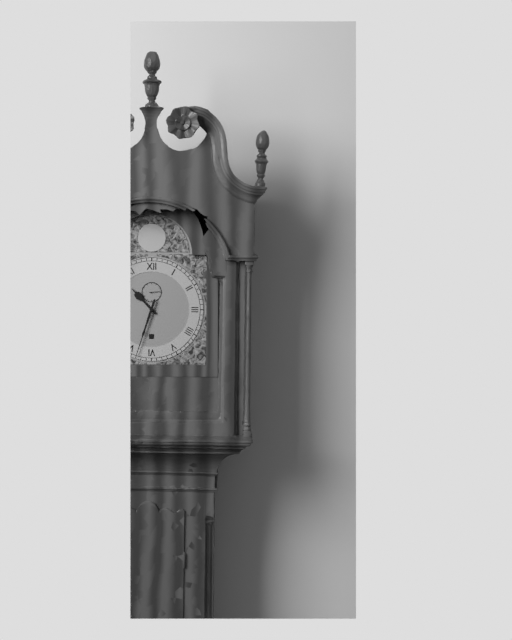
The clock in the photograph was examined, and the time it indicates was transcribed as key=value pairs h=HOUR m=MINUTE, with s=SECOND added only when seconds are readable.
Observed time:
h=10 m=33
